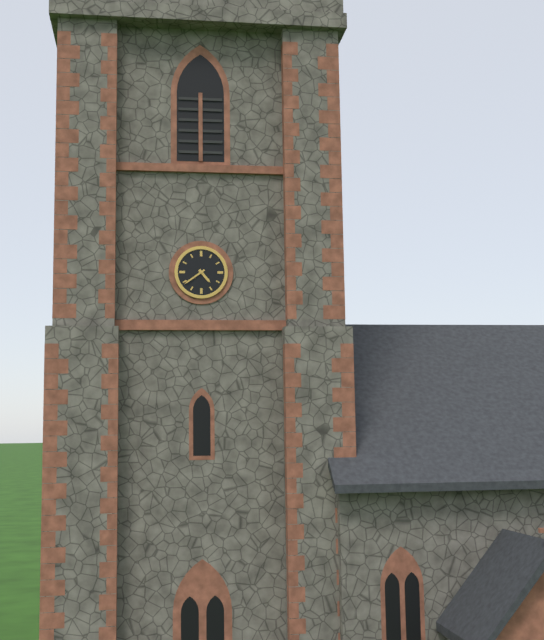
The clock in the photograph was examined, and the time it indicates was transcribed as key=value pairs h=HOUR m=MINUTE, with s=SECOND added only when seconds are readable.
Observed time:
h=4 m=39
